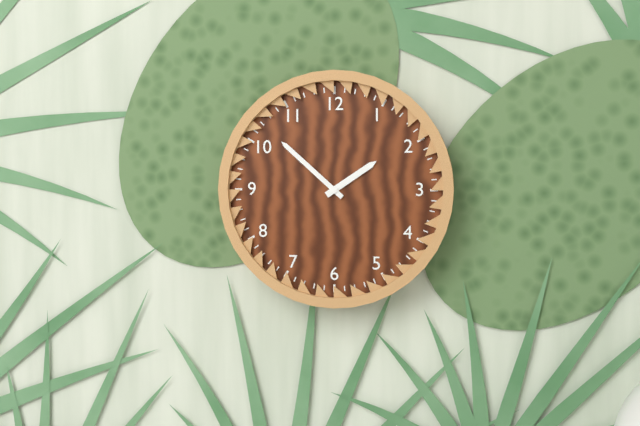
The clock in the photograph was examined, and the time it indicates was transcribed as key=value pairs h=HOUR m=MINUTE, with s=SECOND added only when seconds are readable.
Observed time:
h=1 m=52
